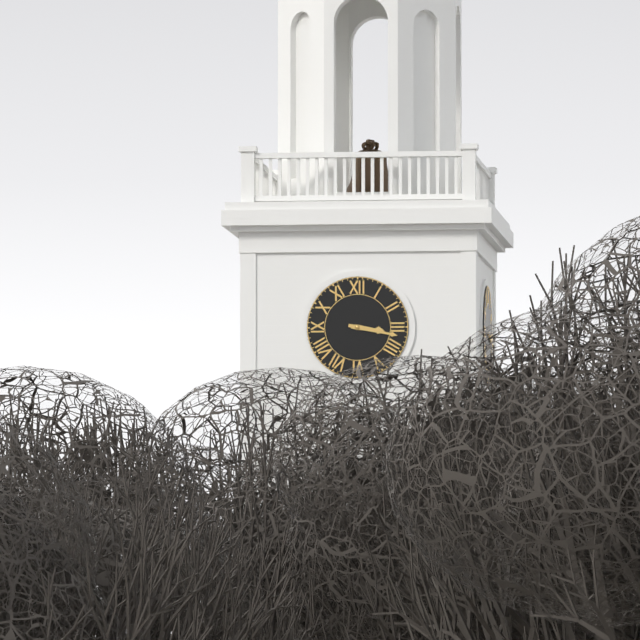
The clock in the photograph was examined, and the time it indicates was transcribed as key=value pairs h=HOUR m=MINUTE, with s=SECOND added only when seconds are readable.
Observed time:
h=3 m=17
